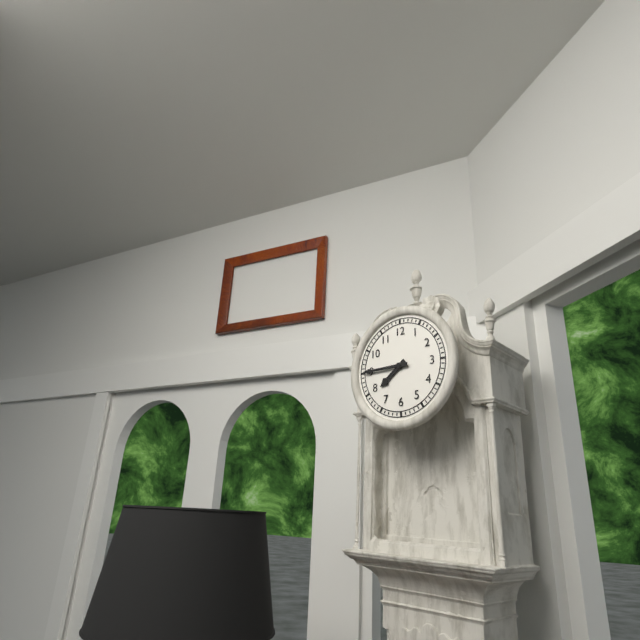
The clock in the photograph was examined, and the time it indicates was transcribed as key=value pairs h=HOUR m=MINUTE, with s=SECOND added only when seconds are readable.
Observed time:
h=7 m=45
